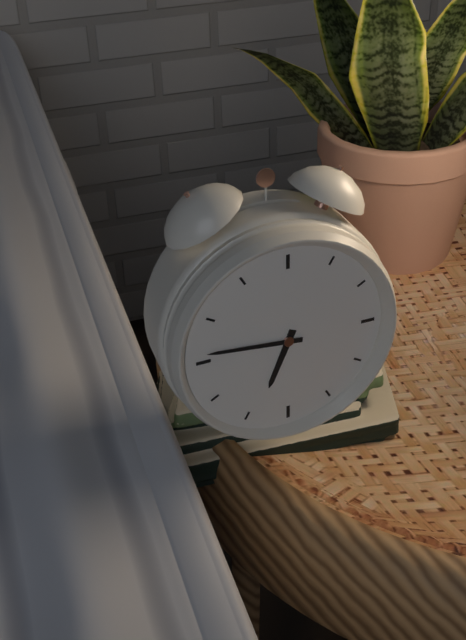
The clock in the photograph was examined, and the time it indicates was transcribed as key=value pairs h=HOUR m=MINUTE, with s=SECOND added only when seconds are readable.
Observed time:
h=6 m=46
